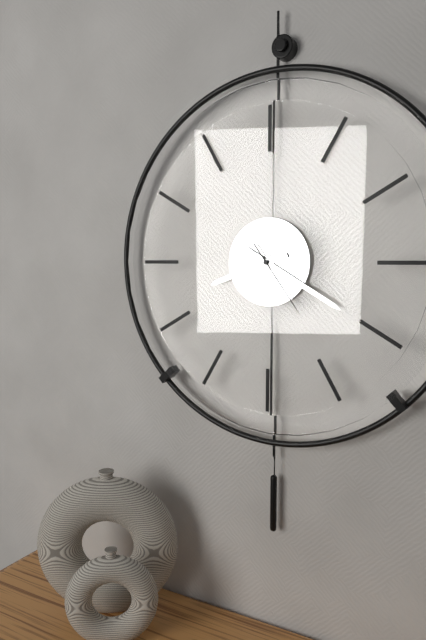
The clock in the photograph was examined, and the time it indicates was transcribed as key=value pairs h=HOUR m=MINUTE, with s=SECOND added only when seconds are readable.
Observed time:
h=8 m=20 s=24
